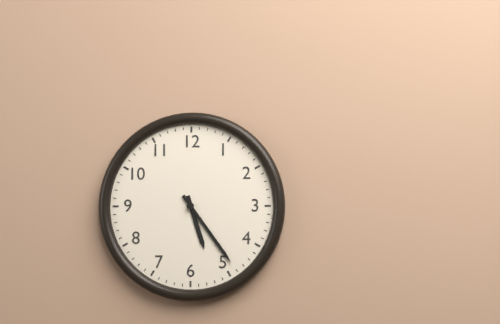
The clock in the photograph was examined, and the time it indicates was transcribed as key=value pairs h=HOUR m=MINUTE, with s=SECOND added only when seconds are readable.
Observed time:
h=5 m=24
